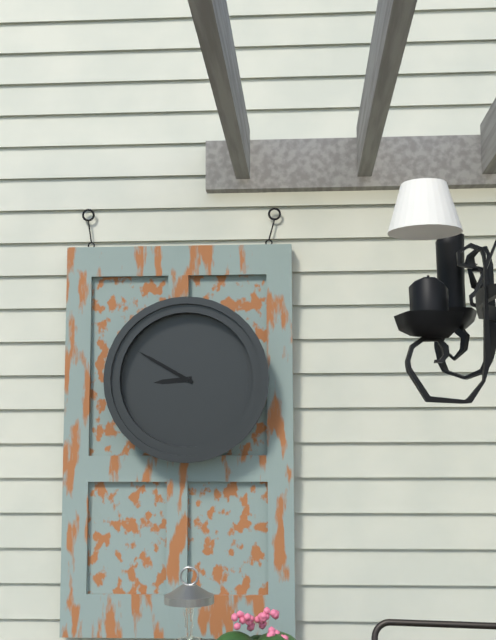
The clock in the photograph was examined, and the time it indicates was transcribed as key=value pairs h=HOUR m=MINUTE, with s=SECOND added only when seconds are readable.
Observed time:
h=8 m=50
